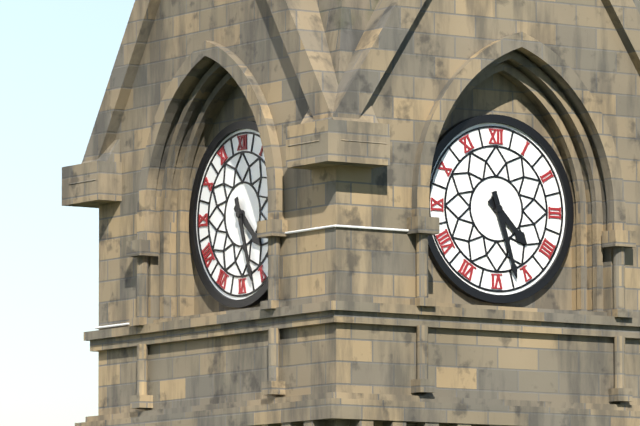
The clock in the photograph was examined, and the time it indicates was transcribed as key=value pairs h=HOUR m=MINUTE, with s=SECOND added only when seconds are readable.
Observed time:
h=4 m=27
